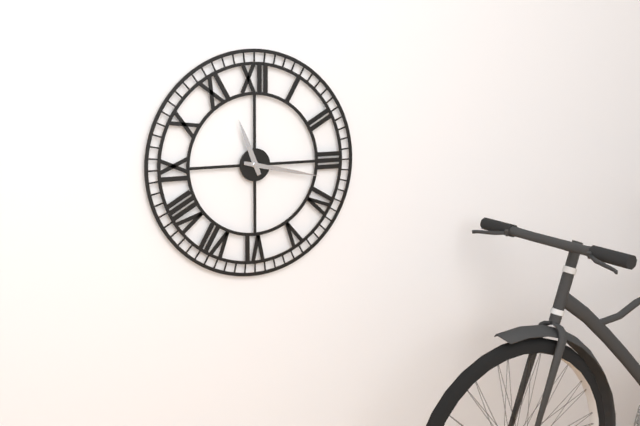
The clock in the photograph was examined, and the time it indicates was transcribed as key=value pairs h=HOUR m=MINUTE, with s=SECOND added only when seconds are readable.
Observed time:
h=11 m=17
